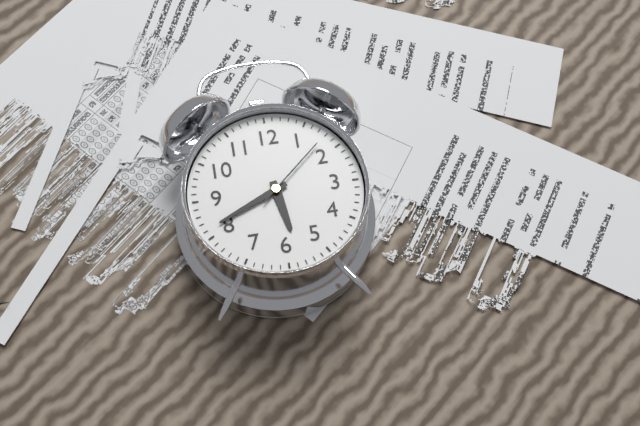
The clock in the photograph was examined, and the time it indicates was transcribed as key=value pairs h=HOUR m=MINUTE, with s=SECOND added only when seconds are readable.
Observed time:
h=5 m=41 s=8
